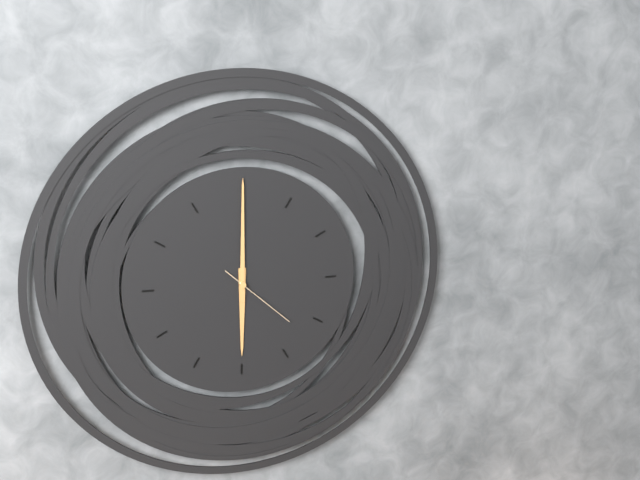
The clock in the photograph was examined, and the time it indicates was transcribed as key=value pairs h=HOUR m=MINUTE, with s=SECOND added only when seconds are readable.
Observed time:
h=6 m=0 s=22
